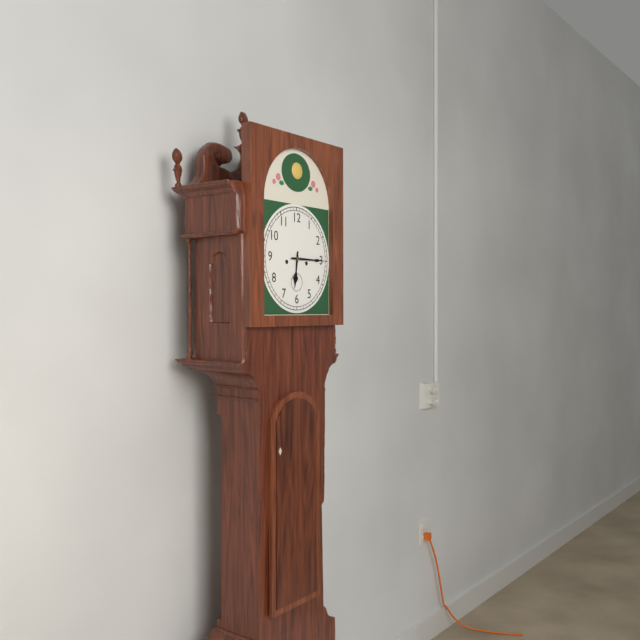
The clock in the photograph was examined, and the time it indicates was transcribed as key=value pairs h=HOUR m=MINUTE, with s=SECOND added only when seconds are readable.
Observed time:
h=6 m=15
